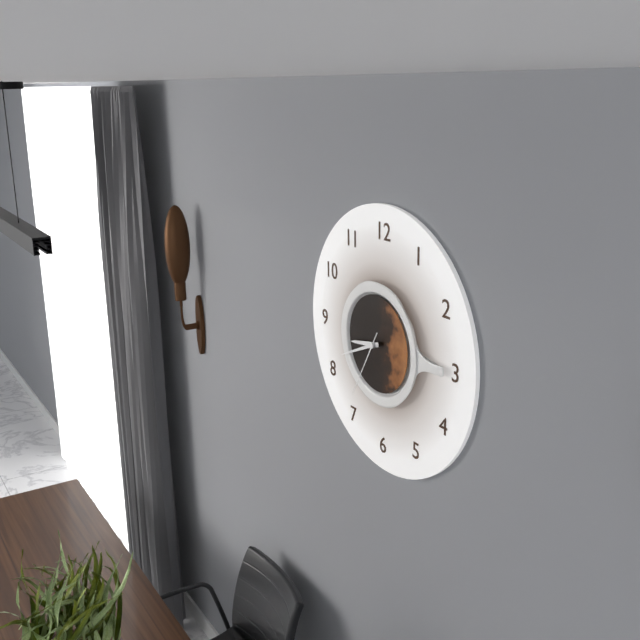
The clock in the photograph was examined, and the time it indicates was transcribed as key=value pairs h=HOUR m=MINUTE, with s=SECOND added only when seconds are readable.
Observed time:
h=8 m=41 s=35
